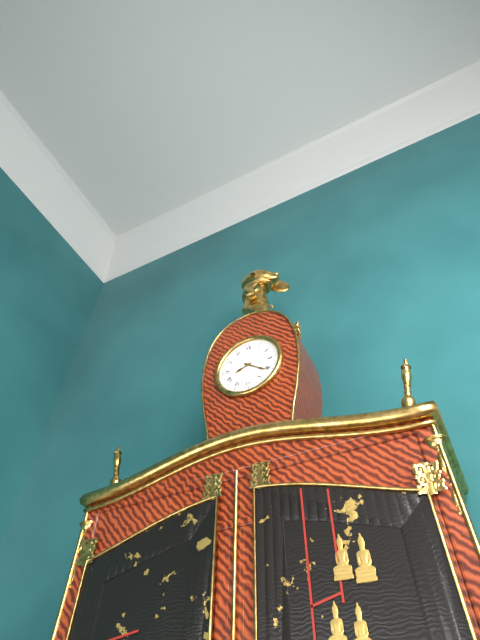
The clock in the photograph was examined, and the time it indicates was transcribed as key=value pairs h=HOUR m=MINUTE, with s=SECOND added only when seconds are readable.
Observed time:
h=8 m=21
